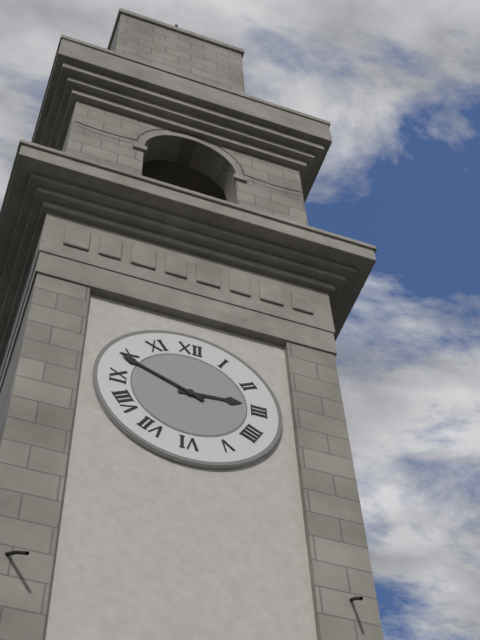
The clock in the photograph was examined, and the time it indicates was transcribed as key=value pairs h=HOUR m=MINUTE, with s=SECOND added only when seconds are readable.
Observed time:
h=2 m=49
